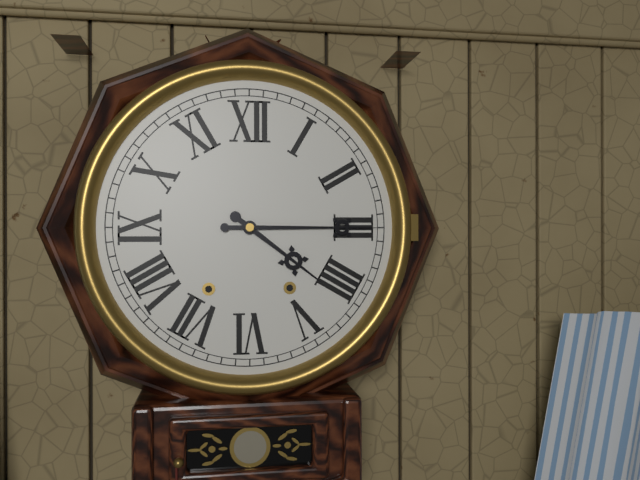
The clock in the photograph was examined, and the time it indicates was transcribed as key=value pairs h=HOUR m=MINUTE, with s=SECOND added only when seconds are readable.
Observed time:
h=4 m=15
